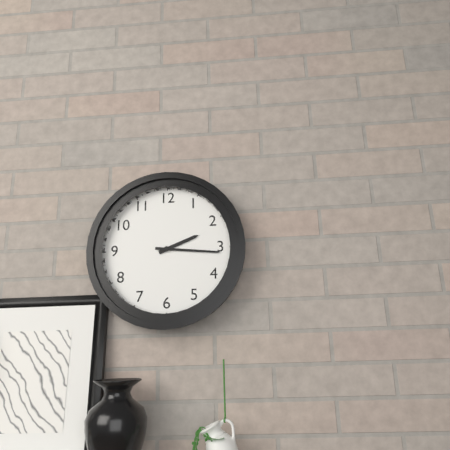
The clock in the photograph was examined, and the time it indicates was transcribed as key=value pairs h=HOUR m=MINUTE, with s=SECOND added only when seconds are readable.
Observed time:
h=2 m=16
